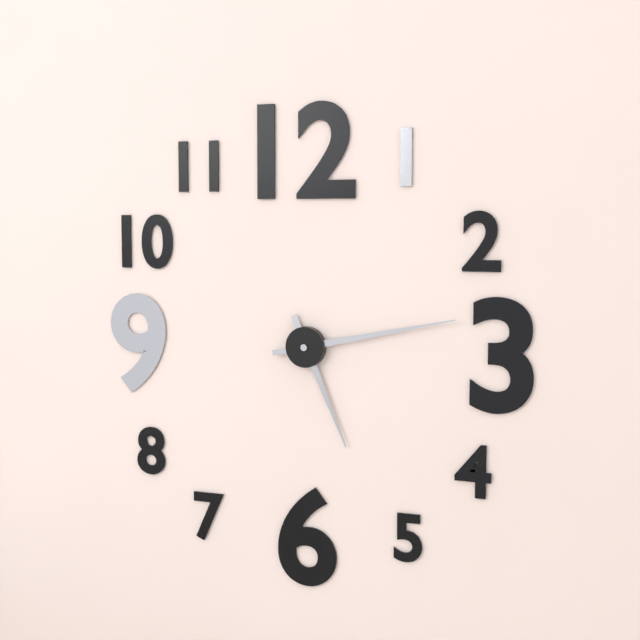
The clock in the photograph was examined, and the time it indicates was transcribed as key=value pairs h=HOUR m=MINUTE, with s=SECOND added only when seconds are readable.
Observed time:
h=5 m=13
